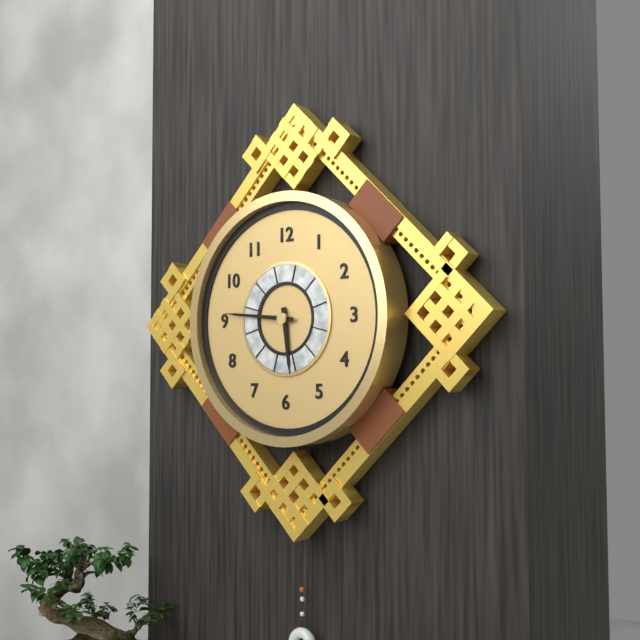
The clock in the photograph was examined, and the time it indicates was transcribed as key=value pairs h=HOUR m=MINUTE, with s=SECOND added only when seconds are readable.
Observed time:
h=5 m=46
